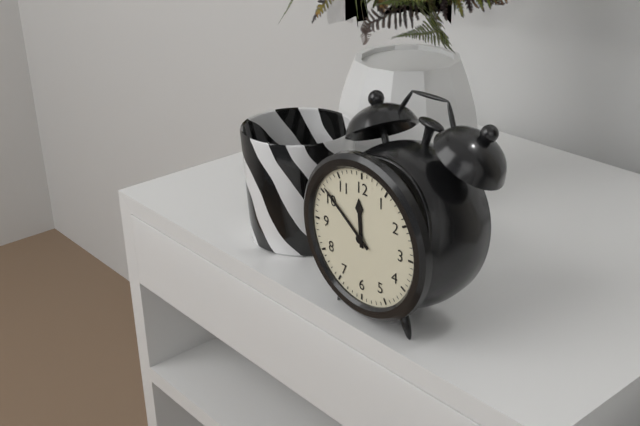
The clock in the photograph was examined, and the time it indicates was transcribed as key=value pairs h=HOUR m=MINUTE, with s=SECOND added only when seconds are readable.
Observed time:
h=11 m=51
